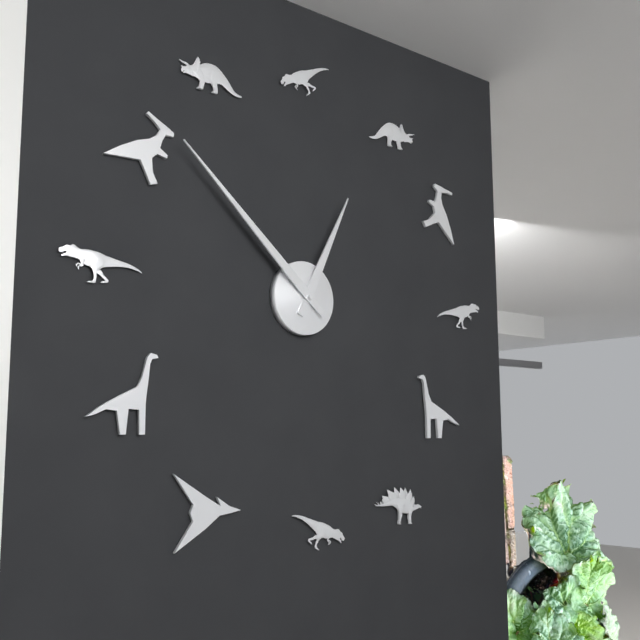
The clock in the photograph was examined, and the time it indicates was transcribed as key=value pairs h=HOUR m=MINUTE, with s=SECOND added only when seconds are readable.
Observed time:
h=12 m=52
